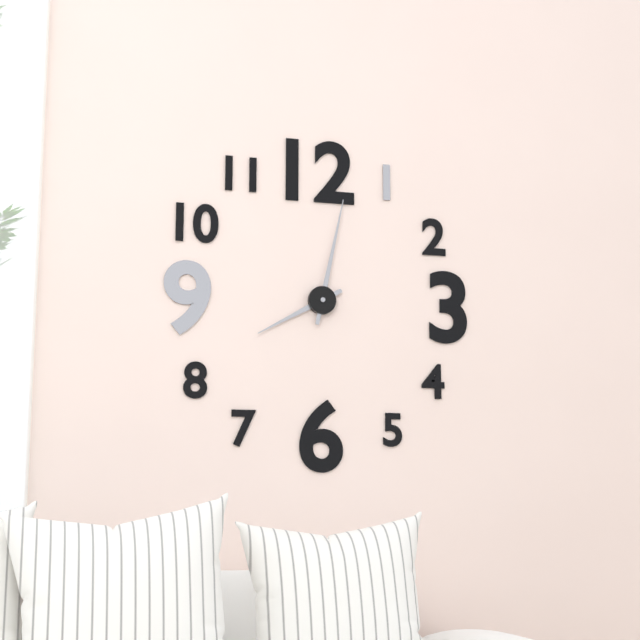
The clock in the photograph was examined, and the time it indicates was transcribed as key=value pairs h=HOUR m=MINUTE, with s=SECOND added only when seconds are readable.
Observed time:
h=8 m=2
